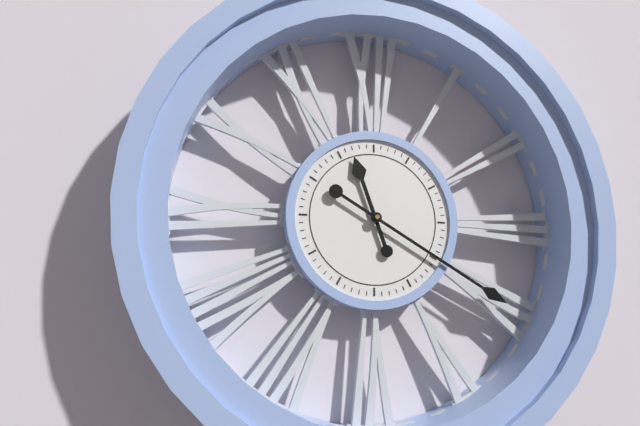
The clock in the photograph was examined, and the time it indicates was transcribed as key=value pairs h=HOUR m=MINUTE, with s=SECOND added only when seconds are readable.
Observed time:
h=11 m=20
